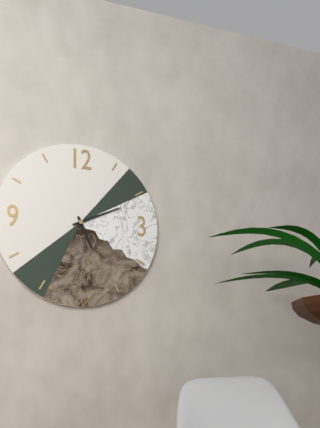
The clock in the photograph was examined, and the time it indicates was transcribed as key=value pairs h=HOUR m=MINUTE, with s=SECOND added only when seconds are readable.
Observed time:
h=5 m=11
